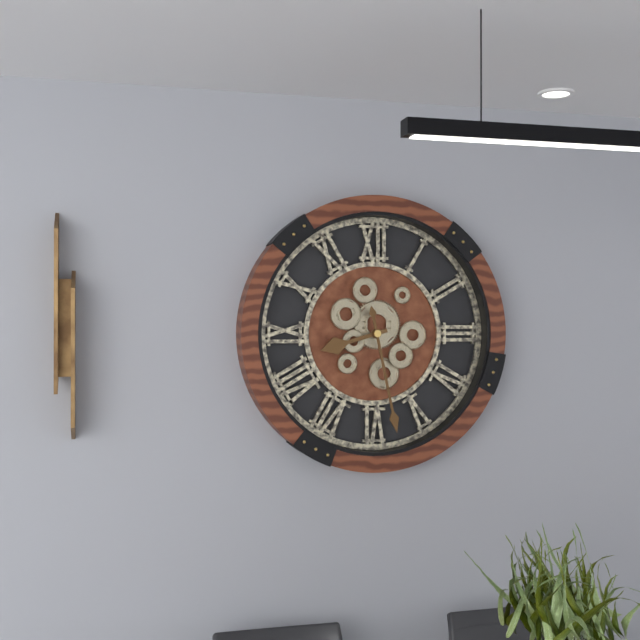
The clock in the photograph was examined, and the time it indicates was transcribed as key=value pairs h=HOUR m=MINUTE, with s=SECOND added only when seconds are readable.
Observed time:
h=8 m=28
